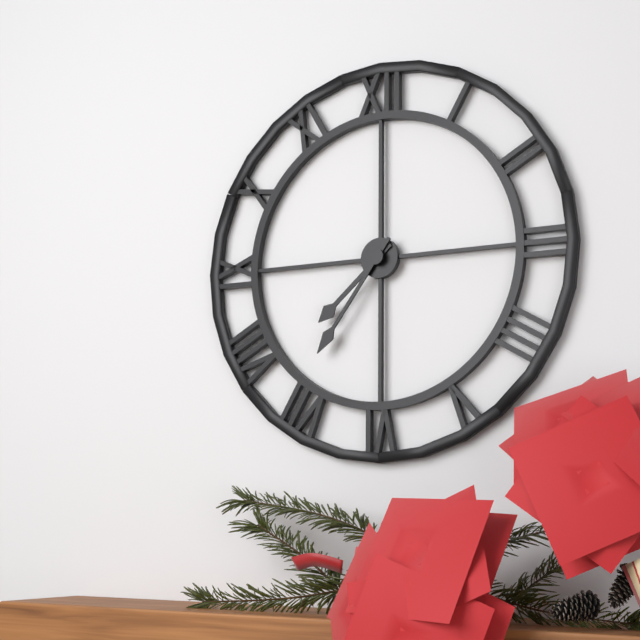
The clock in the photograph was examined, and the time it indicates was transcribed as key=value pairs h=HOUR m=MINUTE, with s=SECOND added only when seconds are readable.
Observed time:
h=7 m=36
